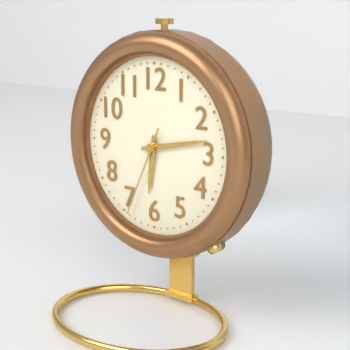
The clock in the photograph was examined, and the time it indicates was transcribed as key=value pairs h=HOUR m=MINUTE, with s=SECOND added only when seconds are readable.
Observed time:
h=6 m=13 s=34
